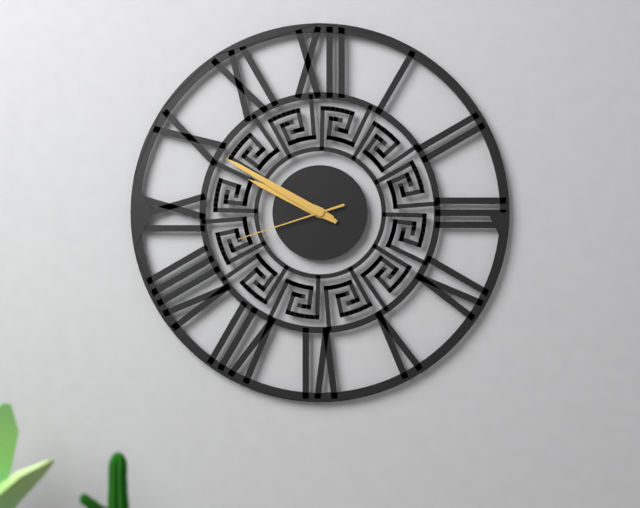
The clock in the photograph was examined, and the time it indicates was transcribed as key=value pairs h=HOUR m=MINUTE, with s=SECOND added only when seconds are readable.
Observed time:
h=9 m=50 s=42
